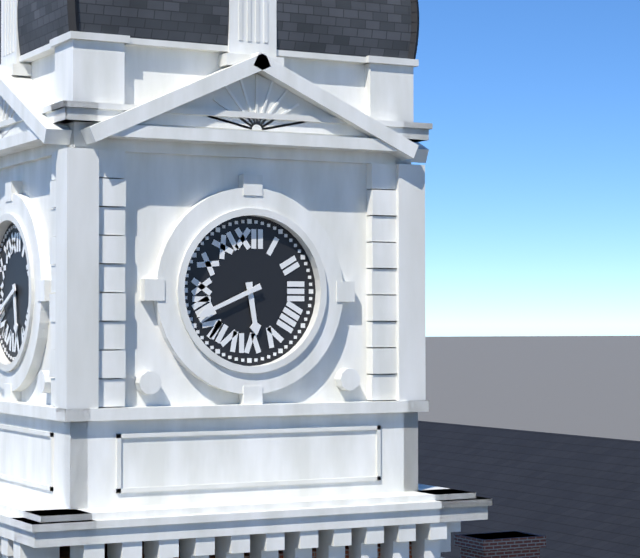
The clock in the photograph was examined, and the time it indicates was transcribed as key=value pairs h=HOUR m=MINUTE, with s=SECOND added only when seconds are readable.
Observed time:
h=5 m=41
